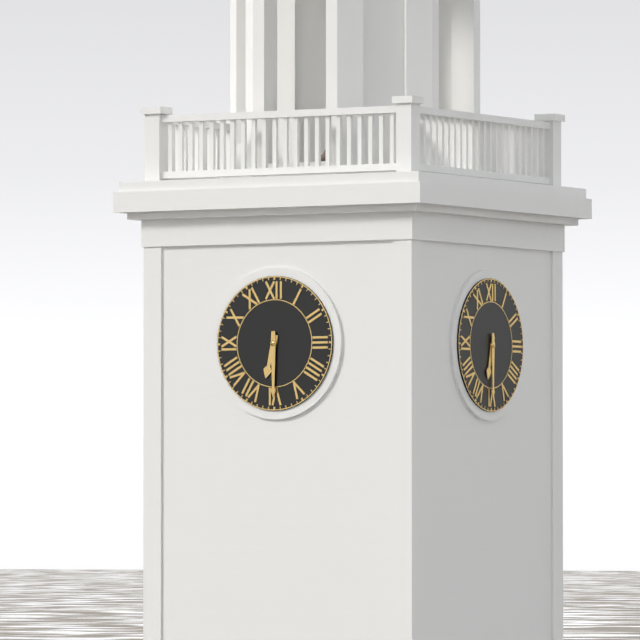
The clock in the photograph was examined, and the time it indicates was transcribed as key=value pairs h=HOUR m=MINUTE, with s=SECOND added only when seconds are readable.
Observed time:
h=6 m=30
